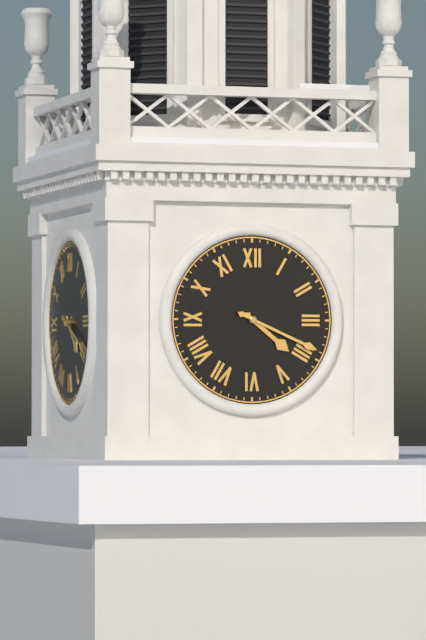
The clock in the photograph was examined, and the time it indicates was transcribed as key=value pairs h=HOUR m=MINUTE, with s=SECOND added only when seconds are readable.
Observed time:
h=4 m=19
